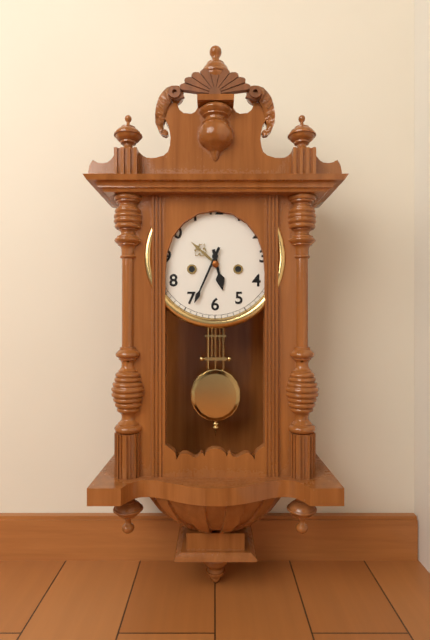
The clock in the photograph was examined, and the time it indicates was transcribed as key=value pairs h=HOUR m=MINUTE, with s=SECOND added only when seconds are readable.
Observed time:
h=5 m=34
